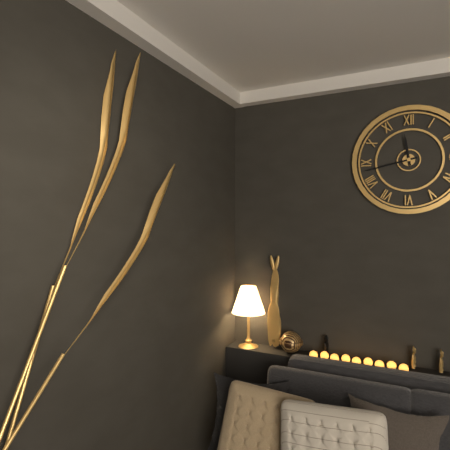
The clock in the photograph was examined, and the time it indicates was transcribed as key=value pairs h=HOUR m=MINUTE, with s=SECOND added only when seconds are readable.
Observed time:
h=11 m=43
